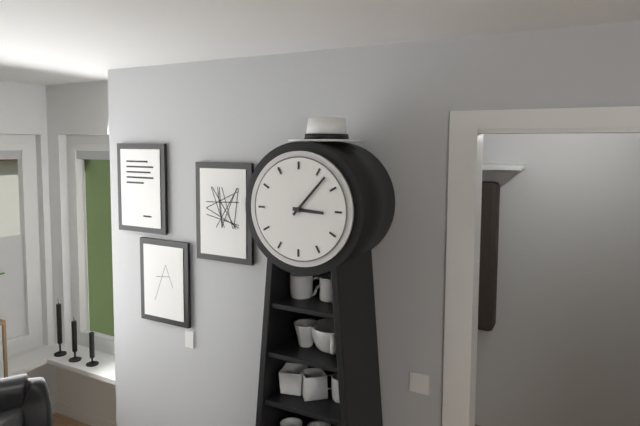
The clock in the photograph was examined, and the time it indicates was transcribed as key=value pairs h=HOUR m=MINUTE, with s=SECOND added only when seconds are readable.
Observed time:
h=3 m=7
